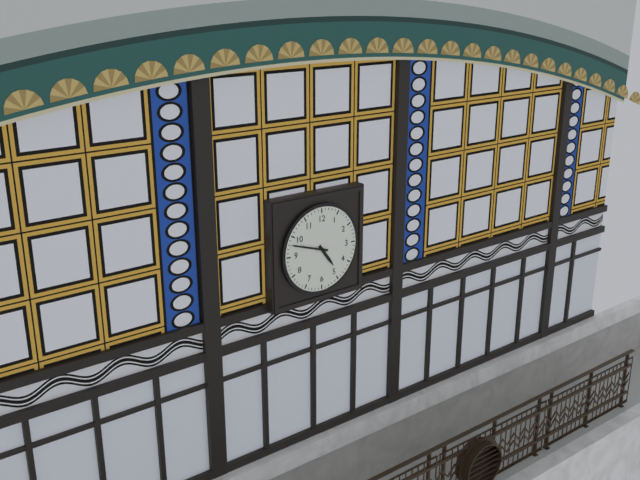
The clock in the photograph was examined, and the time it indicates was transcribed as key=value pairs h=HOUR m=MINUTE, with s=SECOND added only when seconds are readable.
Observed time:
h=4 m=48
